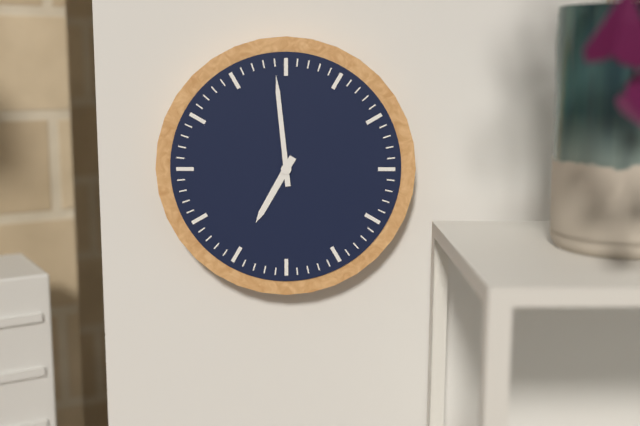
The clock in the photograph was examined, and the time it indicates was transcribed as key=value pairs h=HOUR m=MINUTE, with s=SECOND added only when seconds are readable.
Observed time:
h=6 m=59
